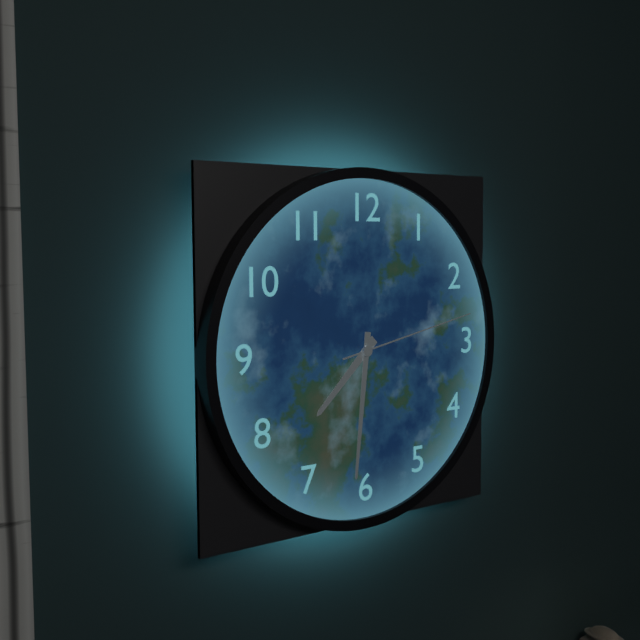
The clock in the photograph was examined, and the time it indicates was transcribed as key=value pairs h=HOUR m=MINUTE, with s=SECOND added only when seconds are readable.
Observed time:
h=7 m=31 s=13
